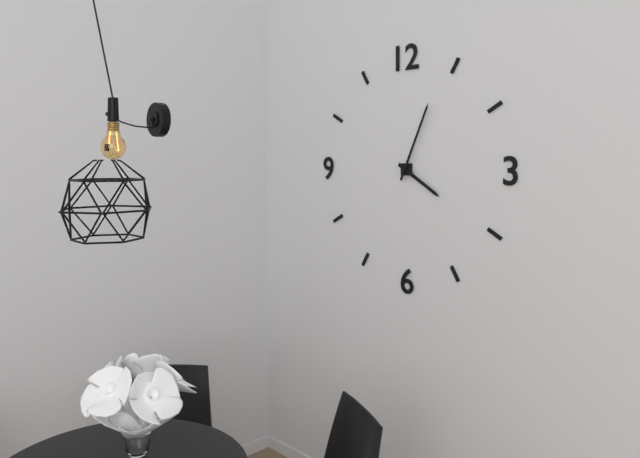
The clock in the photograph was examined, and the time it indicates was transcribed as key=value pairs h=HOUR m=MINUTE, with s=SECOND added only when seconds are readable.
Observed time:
h=4 m=4
